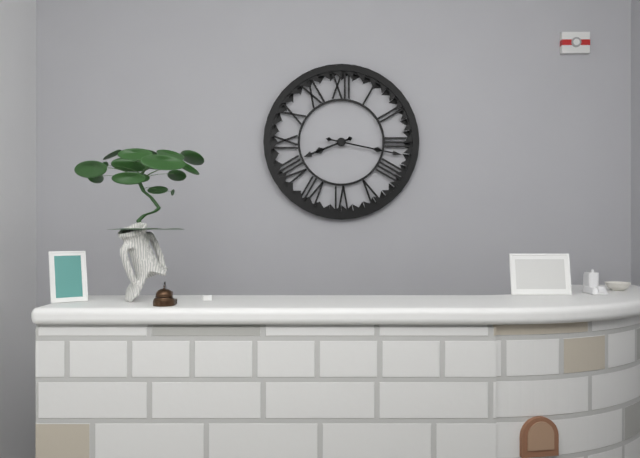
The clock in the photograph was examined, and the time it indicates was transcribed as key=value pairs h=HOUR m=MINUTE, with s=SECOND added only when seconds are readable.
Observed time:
h=8 m=17
